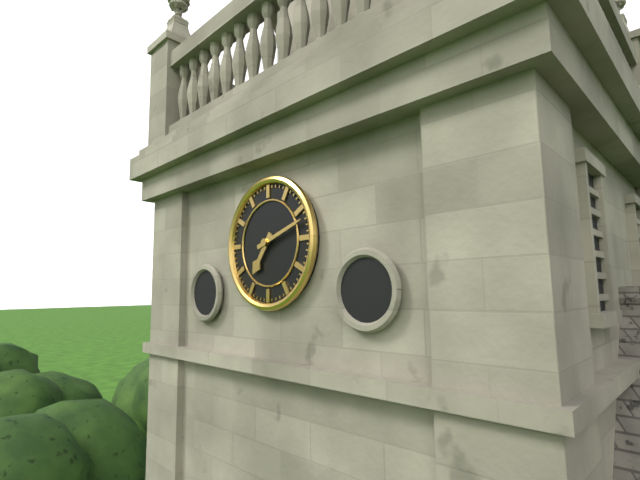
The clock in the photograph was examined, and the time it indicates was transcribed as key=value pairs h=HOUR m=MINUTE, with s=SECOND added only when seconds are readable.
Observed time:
h=7 m=12
